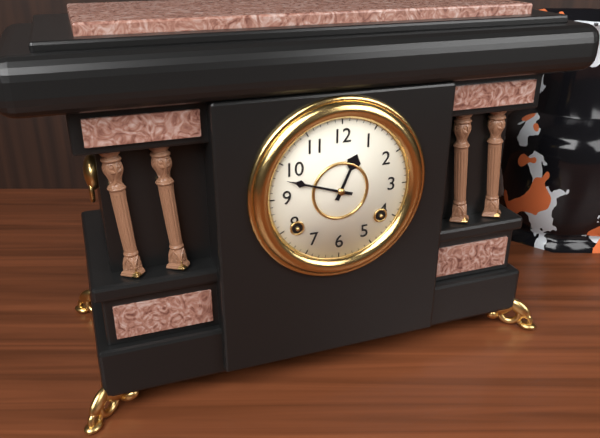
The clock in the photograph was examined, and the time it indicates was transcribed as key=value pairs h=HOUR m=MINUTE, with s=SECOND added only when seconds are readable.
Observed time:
h=12 m=48
